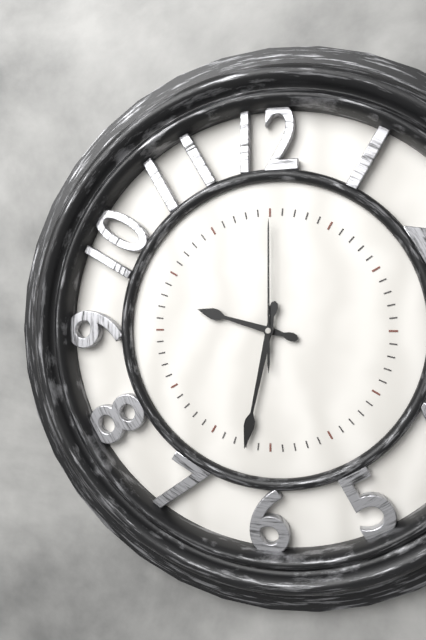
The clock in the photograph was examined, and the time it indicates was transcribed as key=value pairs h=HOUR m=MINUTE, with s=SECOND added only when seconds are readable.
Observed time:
h=9 m=32 s=0
